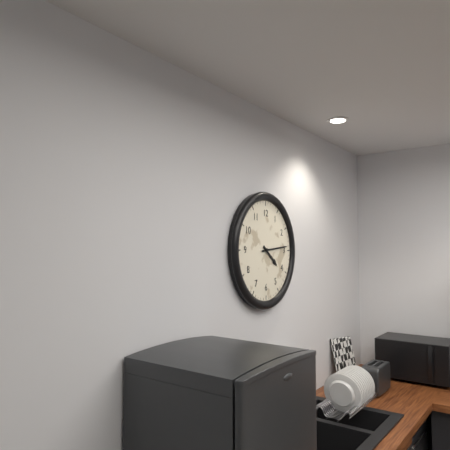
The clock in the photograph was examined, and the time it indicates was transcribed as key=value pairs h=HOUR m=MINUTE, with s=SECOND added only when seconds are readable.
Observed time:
h=4 m=14
